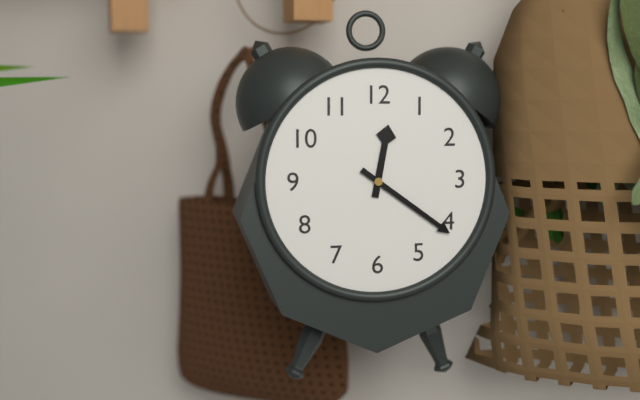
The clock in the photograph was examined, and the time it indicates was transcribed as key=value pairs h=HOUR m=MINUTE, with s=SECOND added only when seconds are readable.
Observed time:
h=12 m=21
